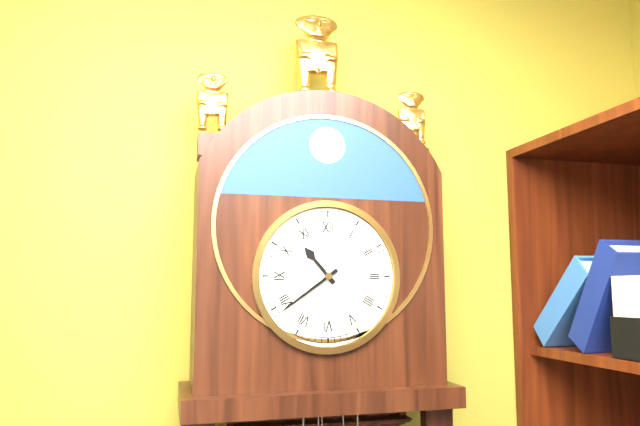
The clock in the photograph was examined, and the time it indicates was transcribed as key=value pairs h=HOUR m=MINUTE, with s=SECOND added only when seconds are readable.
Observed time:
h=10 m=39
